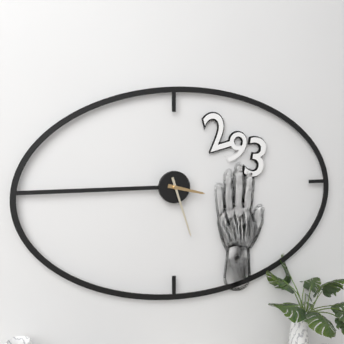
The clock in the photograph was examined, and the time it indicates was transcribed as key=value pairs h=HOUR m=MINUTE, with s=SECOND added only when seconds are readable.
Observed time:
h=3 m=27
